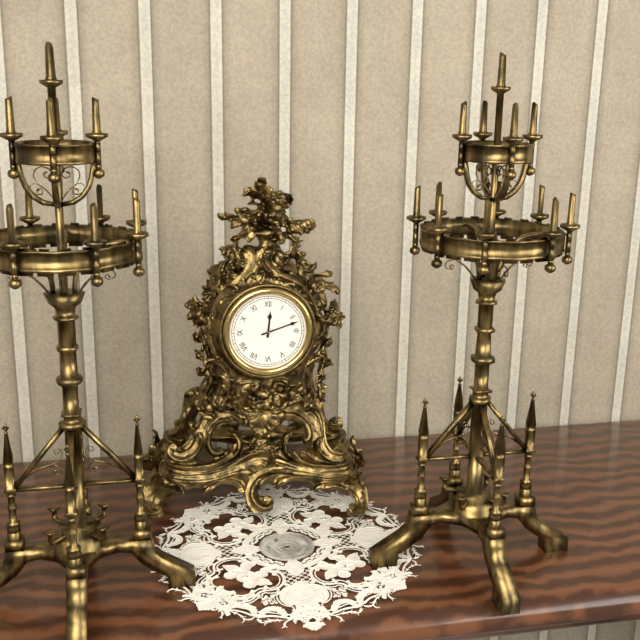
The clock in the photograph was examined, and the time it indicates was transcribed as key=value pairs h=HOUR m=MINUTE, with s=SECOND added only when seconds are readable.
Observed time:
h=12 m=12
